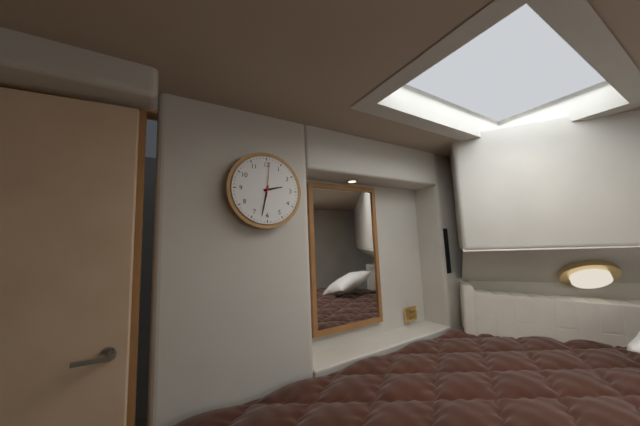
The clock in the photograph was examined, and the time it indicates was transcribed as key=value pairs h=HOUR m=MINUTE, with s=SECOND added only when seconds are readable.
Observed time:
h=2 m=32
